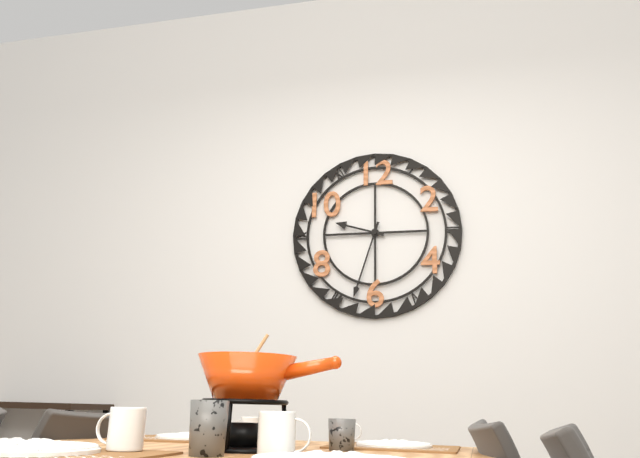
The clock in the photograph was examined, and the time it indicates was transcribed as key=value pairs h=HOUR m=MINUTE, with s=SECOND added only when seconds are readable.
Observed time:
h=9 m=33
